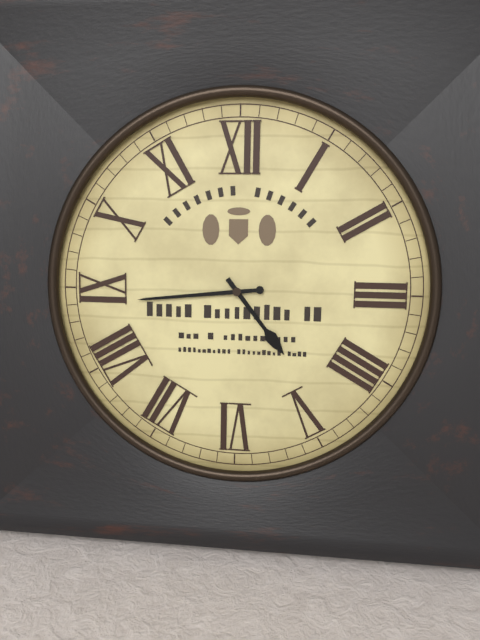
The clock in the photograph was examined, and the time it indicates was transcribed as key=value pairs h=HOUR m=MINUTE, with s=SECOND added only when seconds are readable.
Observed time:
h=4 m=44
